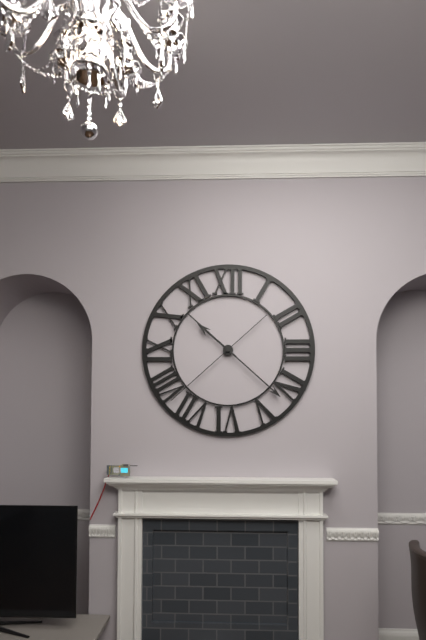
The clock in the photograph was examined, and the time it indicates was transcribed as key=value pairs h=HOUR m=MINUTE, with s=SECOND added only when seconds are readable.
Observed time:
h=10 m=22 s=38
